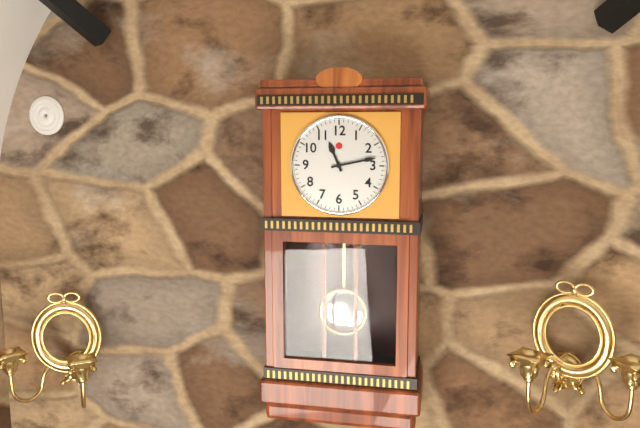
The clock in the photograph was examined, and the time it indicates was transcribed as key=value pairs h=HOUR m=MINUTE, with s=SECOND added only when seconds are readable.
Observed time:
h=11 m=13
